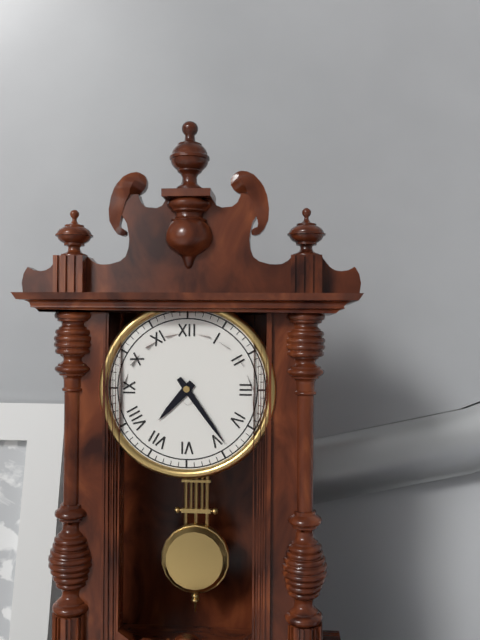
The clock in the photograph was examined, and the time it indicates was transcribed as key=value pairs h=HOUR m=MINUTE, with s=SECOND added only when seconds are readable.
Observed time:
h=7 m=24
